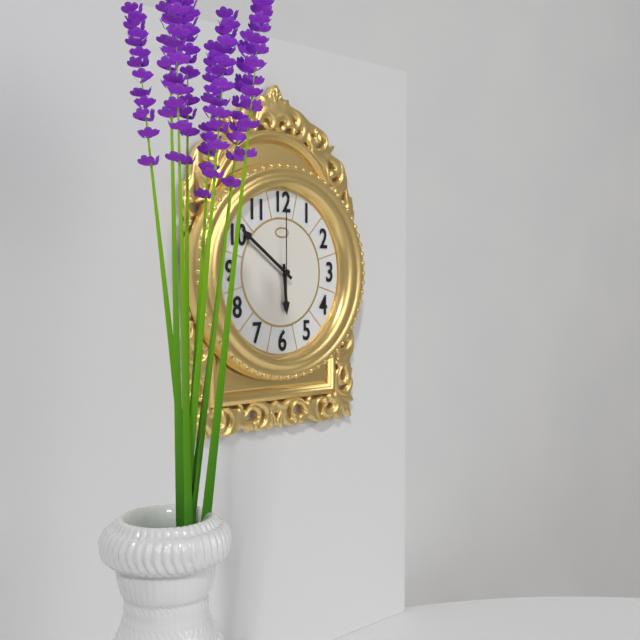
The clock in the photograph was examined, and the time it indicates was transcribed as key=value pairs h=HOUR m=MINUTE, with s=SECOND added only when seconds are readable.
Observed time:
h=5 m=51 s=0
